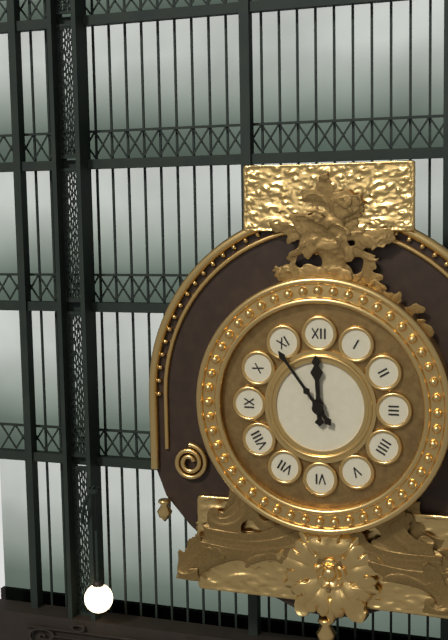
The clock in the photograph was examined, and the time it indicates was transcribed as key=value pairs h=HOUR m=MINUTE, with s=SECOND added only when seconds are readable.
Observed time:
h=11 m=54
